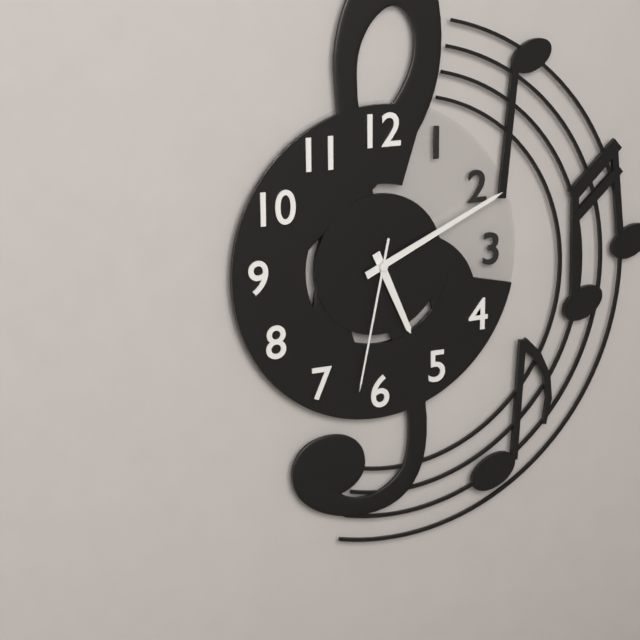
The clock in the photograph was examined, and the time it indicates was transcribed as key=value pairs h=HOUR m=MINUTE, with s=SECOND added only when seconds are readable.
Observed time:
h=5 m=11 s=32
